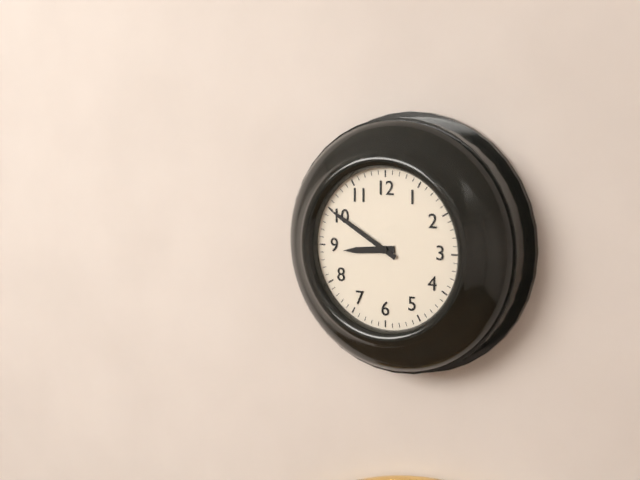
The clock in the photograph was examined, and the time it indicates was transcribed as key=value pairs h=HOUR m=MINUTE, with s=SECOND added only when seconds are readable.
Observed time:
h=8 m=50
